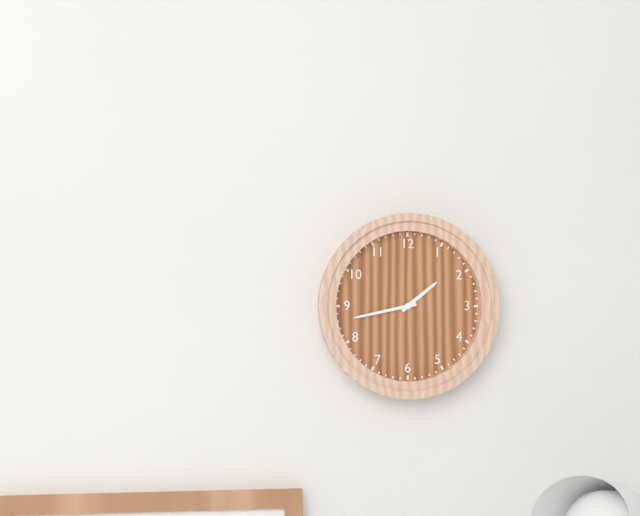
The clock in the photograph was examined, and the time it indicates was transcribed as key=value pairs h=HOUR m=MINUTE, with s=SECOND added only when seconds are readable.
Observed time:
h=1 m=43
